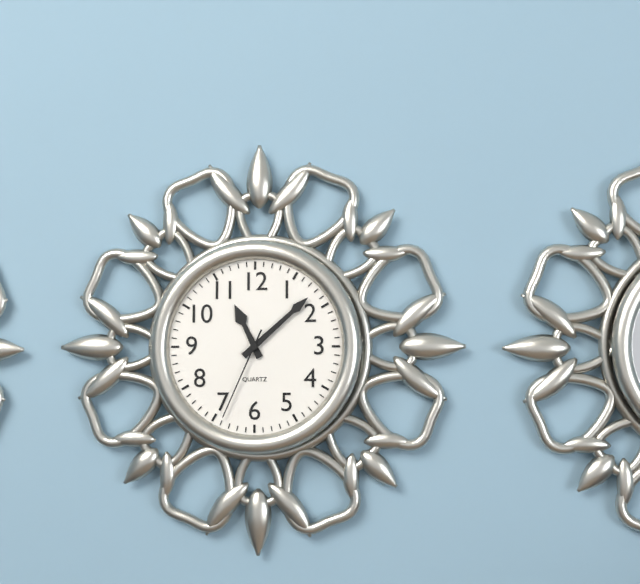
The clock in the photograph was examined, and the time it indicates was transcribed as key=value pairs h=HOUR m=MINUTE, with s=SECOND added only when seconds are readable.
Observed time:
h=11 m=8 s=34
